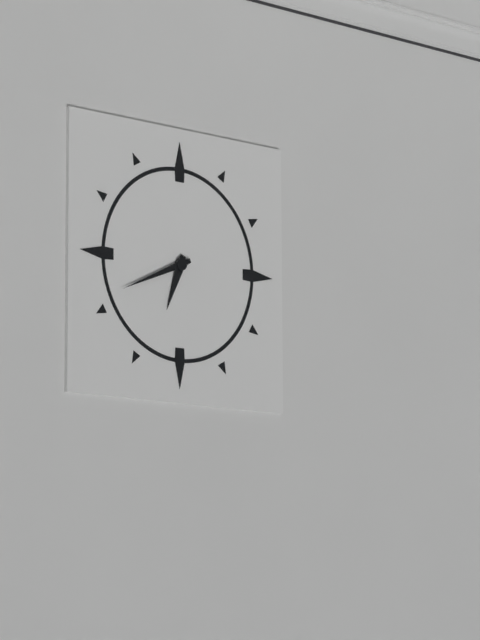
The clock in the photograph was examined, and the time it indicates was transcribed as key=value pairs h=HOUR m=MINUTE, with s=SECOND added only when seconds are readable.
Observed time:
h=6 m=41
